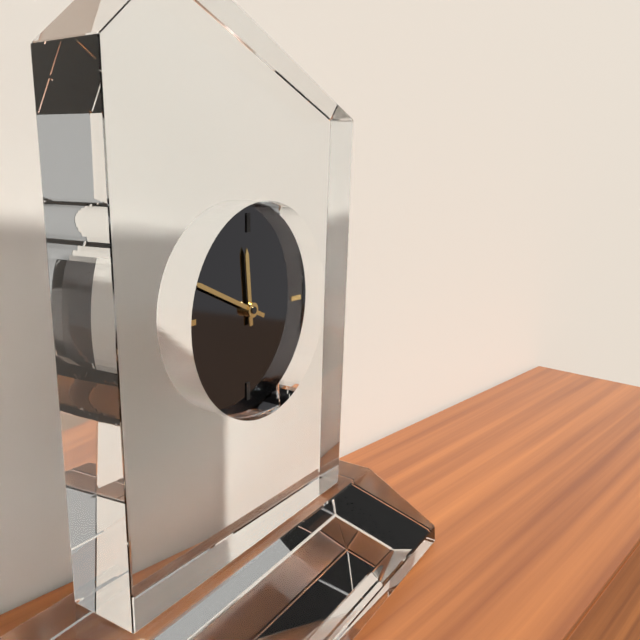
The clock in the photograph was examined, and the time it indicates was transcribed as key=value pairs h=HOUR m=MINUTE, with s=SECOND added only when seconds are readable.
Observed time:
h=11 m=49
